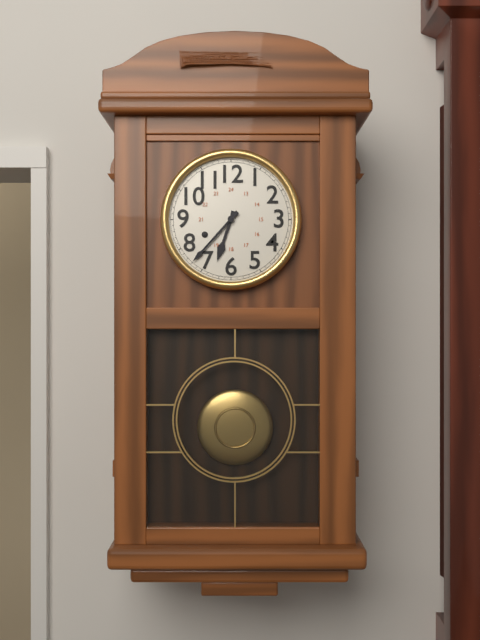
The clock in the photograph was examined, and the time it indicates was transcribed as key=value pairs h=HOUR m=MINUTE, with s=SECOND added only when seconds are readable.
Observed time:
h=6 m=37
